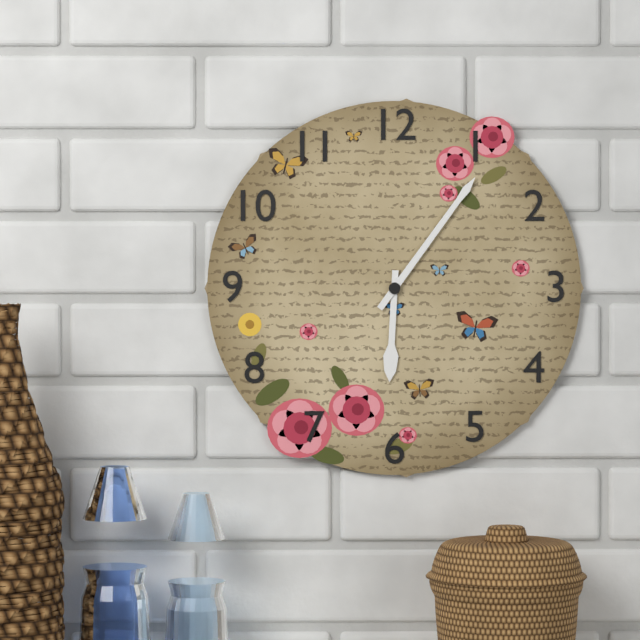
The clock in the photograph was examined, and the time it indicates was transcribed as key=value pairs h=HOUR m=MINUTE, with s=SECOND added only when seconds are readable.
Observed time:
h=6 m=6
